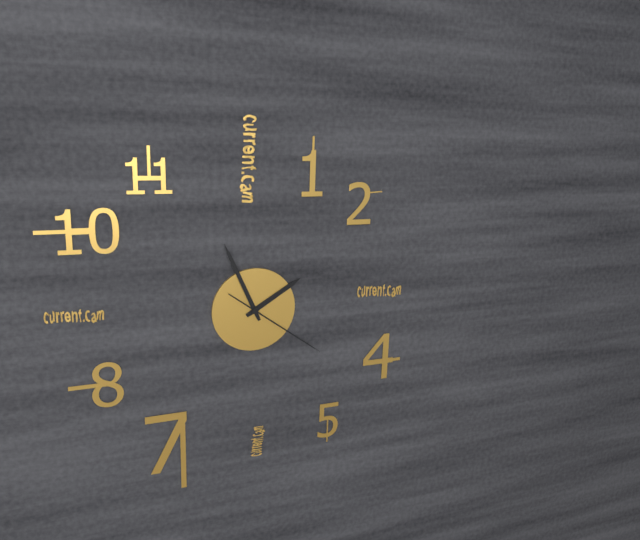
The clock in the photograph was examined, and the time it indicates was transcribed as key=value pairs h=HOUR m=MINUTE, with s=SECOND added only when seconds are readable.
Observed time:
h=1 m=56 s=21
